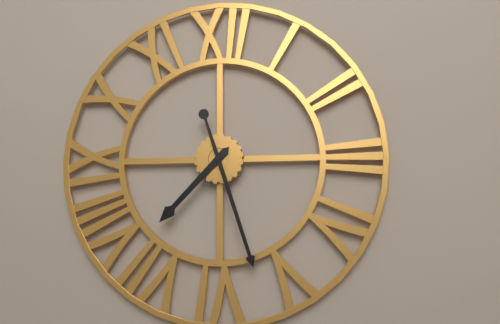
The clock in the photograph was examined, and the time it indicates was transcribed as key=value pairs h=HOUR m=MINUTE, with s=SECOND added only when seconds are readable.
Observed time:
h=7 m=27
